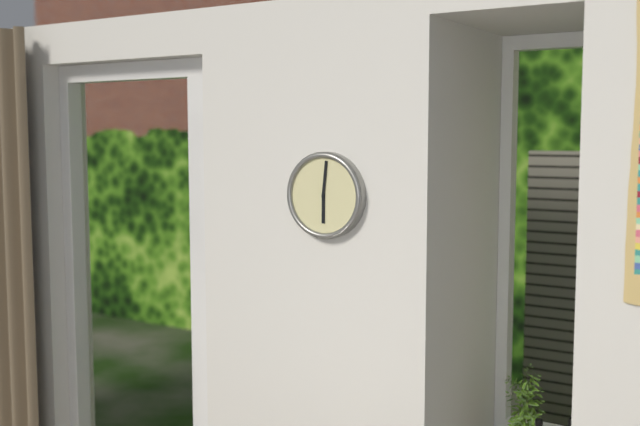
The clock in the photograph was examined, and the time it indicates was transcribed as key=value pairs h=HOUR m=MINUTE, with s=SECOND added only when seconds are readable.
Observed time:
h=6 m=1
